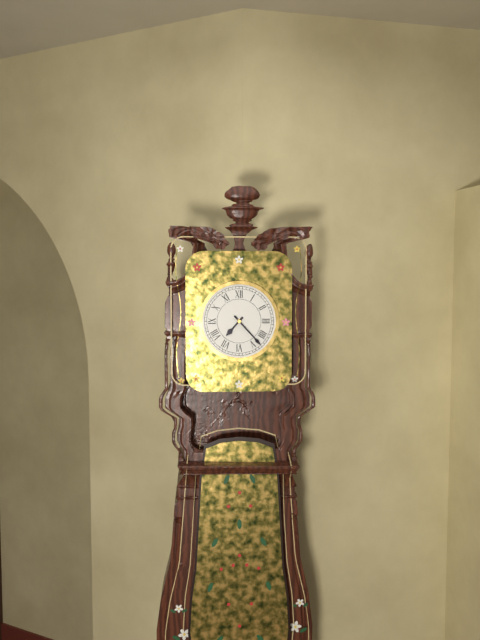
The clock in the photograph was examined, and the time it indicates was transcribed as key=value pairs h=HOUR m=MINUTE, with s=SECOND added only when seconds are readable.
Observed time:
h=7 m=23
